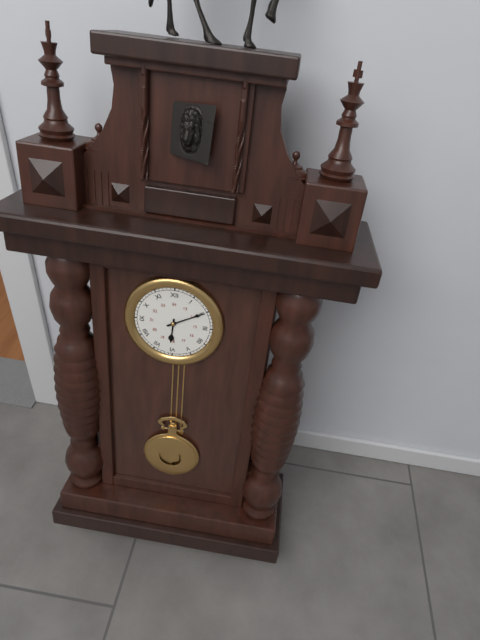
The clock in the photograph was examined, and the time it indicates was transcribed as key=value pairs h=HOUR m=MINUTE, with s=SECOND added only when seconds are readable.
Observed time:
h=6 m=10
